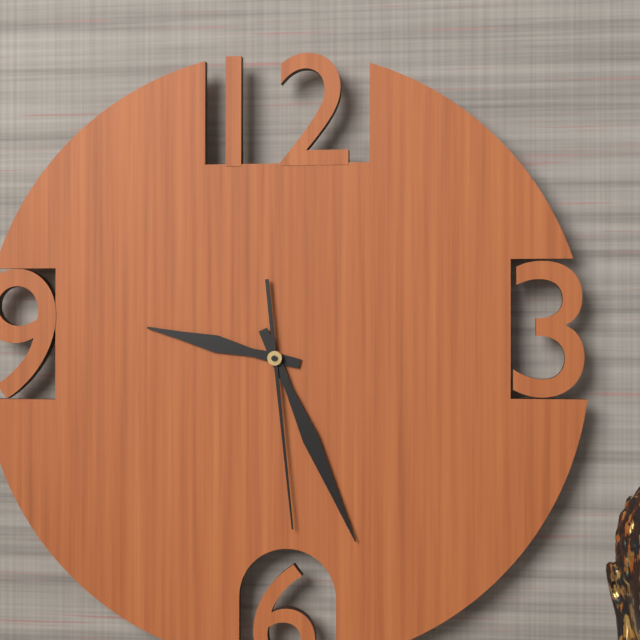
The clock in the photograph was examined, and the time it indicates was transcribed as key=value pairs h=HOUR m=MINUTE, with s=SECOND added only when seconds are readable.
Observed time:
h=9 m=26 s=29
